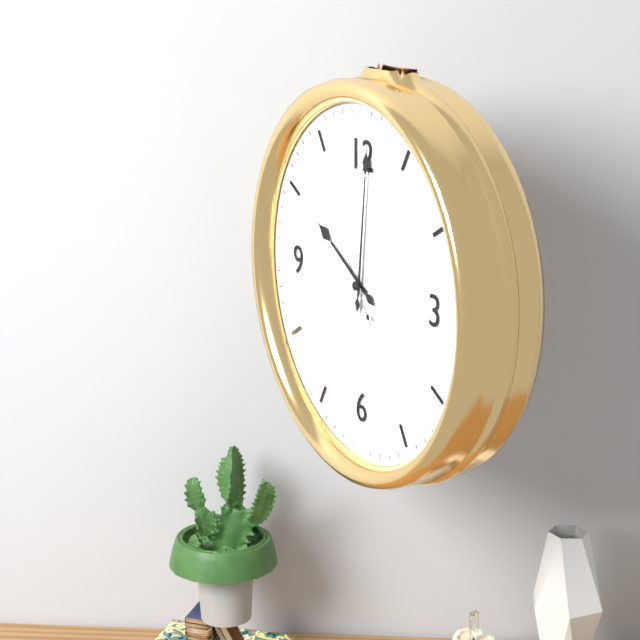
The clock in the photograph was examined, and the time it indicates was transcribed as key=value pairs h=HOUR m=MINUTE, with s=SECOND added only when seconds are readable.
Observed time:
h=10 m=1 s=54
